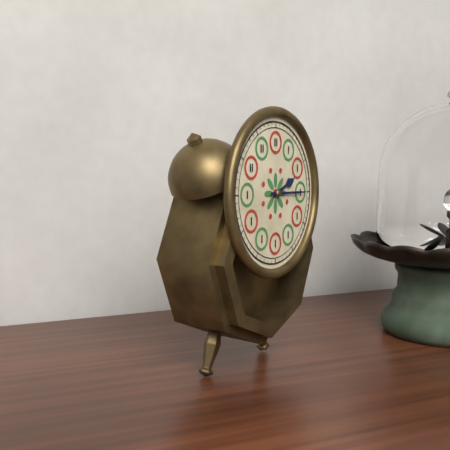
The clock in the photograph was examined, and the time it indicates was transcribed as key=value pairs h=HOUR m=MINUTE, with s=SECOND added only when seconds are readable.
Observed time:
h=2 m=15
